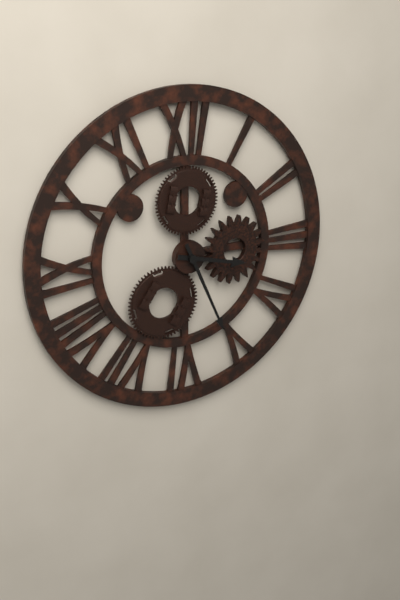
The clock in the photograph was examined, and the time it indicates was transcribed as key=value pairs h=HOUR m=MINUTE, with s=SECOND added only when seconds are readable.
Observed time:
h=3 m=26
